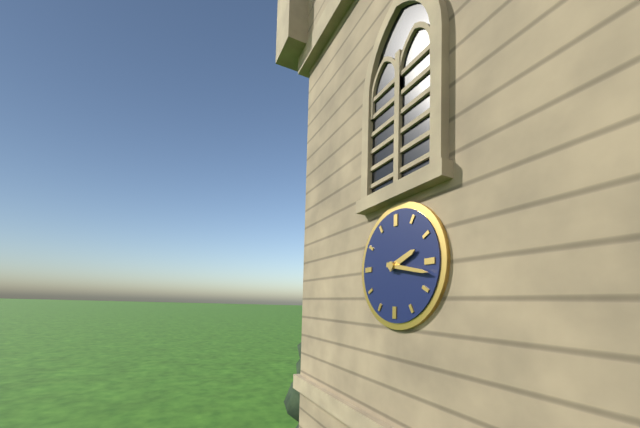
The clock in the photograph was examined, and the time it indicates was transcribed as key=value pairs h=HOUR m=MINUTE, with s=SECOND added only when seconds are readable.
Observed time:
h=2 m=17
